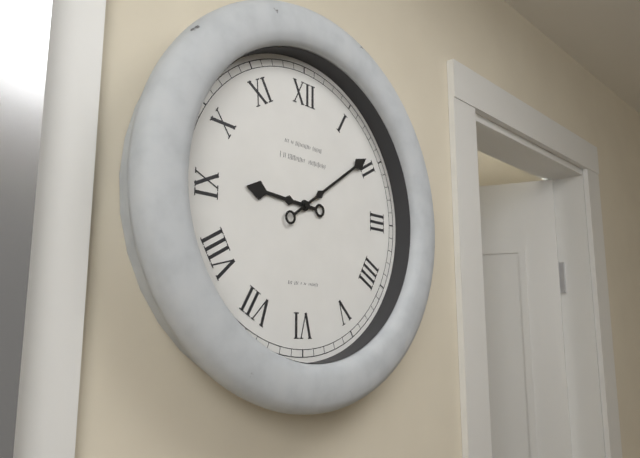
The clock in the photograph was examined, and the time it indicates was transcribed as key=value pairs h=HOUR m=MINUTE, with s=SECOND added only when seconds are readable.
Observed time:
h=9 m=9
